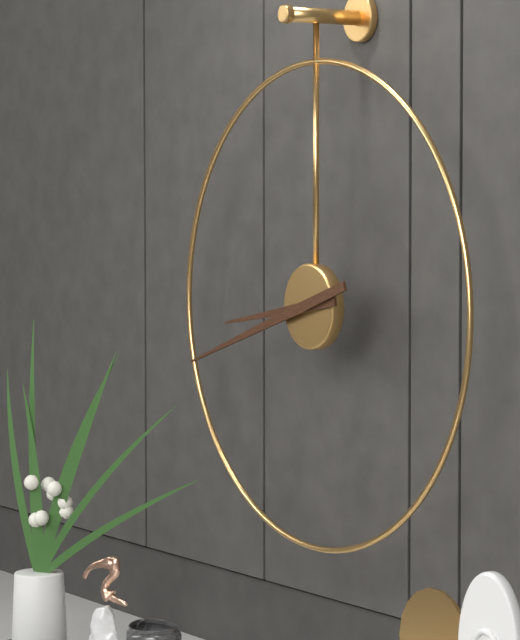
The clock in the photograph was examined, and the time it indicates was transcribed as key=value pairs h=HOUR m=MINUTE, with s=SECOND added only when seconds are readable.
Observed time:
h=8 m=42
